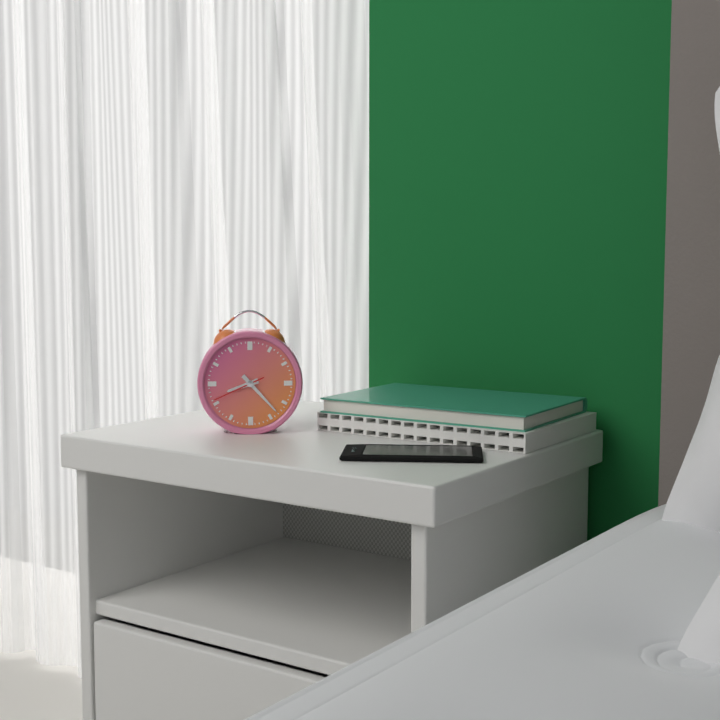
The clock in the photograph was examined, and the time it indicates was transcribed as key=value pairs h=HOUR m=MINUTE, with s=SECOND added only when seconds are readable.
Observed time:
h=8 m=23 s=41
